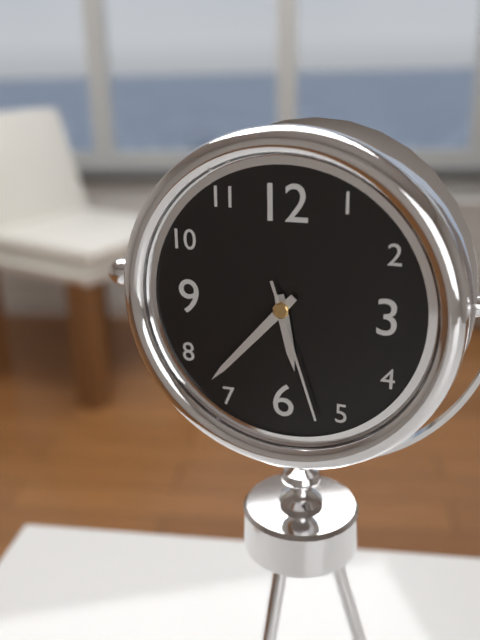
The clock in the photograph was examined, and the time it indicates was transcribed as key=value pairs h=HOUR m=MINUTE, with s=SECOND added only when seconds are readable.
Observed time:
h=5 m=37 s=27
